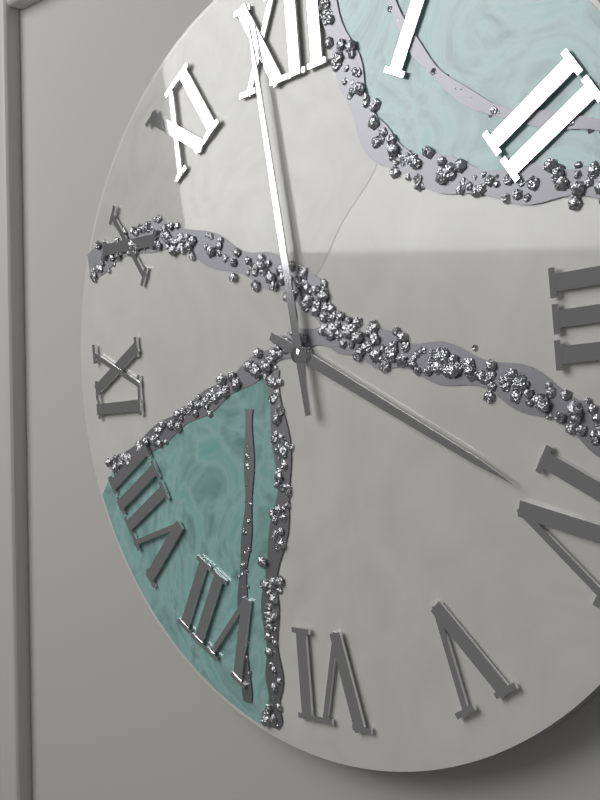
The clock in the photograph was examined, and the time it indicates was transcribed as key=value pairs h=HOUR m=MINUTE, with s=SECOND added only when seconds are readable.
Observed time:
h=3 m=59
